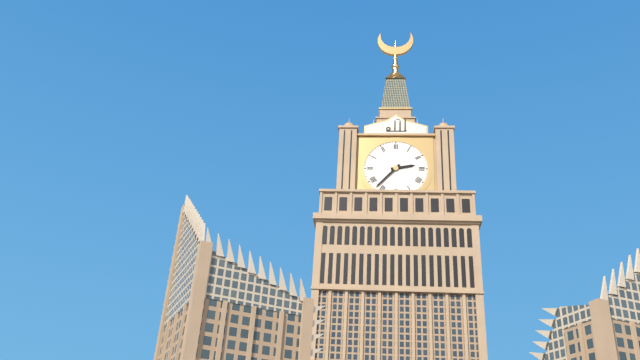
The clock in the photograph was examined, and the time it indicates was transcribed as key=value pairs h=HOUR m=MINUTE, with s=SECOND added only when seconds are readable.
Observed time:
h=2 m=37
